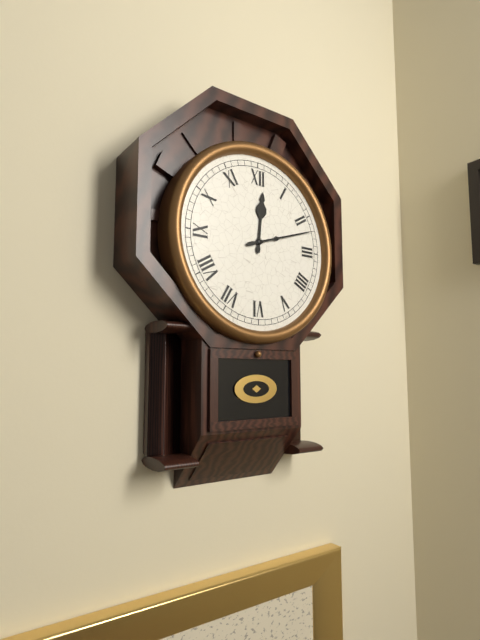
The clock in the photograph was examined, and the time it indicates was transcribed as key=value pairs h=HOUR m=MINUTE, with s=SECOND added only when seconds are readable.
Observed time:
h=12 m=12
